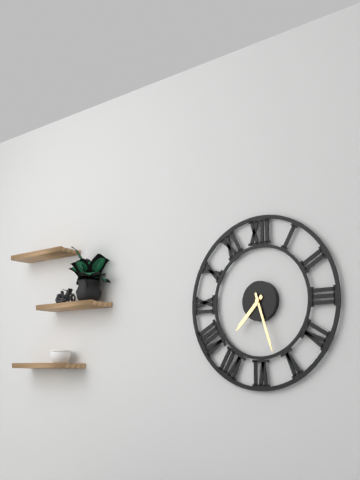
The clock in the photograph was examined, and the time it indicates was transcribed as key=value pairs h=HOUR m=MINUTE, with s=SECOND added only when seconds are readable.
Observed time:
h=7 m=27
